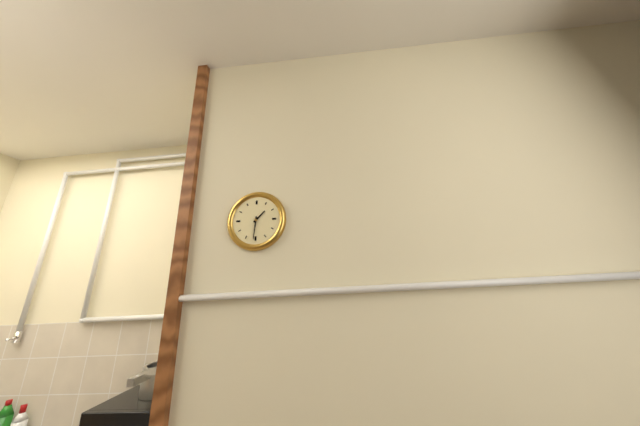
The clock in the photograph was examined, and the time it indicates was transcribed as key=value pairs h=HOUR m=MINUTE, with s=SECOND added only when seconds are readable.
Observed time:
h=1 m=31
